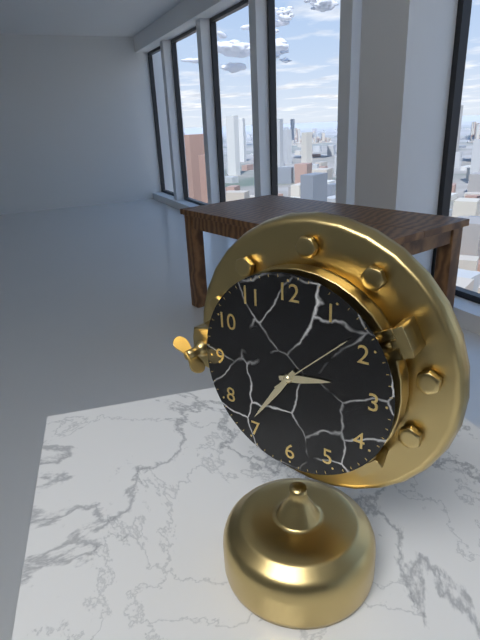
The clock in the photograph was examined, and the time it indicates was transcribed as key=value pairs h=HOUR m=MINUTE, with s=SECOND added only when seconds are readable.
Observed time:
h=2 m=36 s=8
